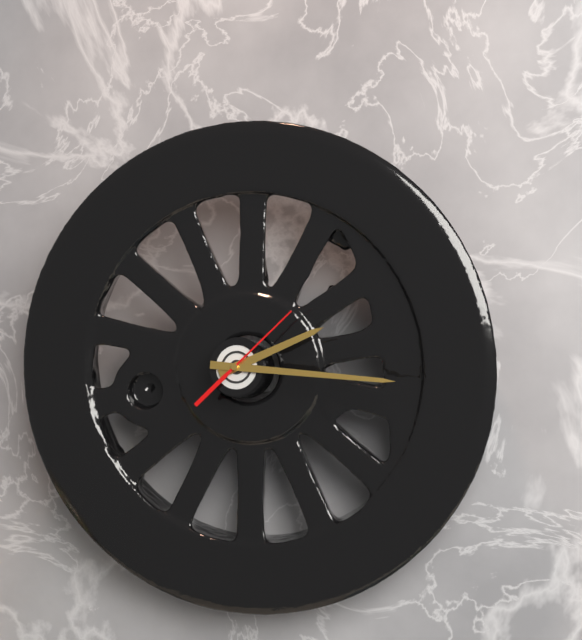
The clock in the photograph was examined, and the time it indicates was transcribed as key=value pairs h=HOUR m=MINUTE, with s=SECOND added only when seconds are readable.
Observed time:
h=2 m=16 s=8
